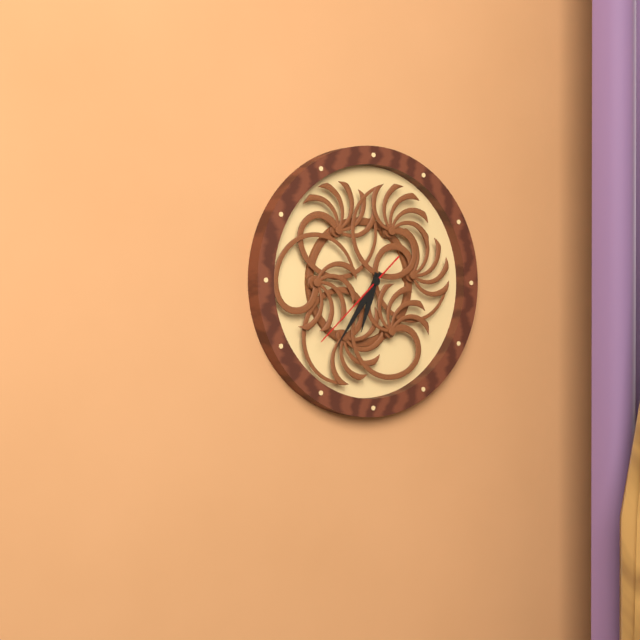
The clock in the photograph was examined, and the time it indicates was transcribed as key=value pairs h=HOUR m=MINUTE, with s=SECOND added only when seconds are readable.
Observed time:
h=6 m=36 s=38
